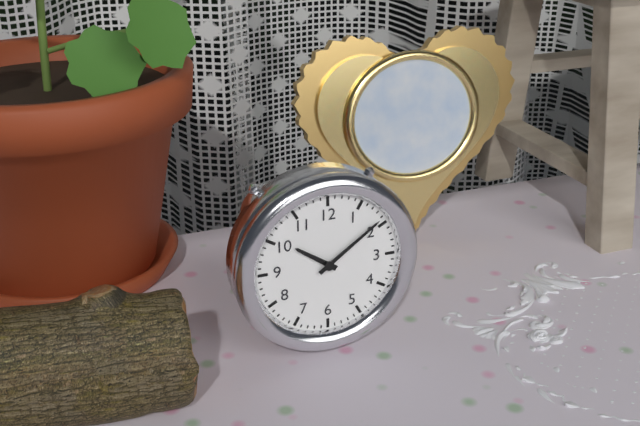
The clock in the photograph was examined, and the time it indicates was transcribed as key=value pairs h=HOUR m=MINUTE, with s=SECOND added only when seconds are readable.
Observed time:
h=10 m=9
